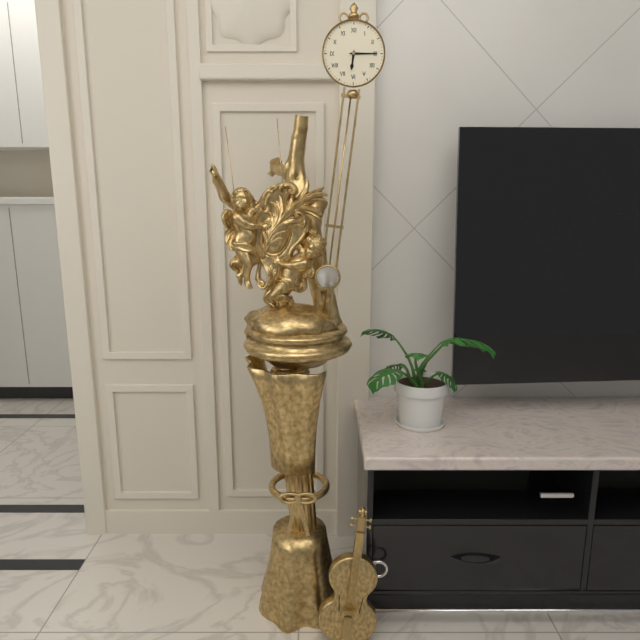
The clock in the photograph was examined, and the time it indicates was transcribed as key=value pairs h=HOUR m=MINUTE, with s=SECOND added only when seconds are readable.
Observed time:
h=6 m=15
